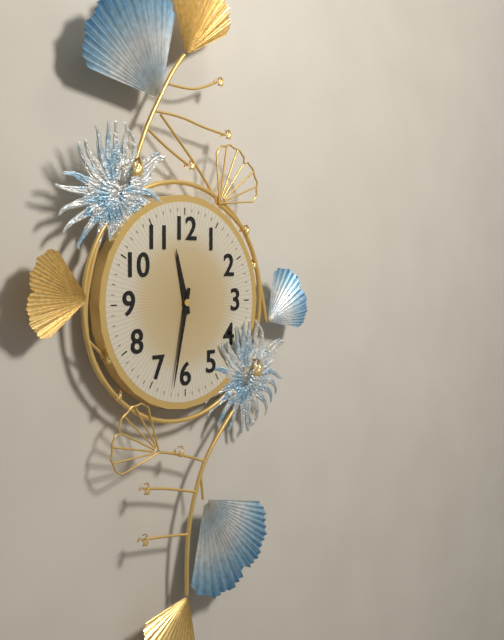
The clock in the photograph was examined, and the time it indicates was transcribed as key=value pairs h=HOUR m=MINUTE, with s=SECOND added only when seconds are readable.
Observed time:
h=11 m=32
